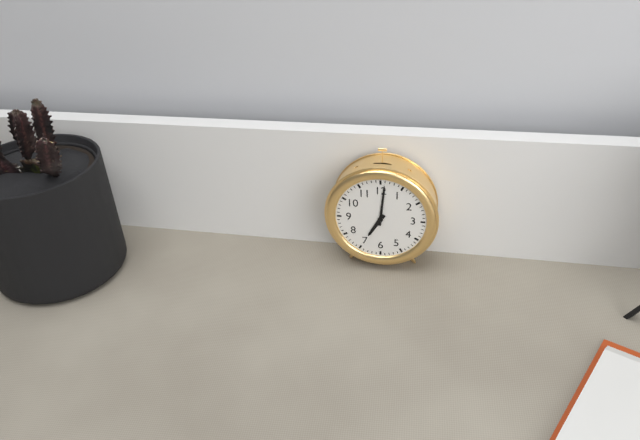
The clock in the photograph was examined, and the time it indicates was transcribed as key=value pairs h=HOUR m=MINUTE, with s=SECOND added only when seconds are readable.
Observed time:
h=7 m=1
